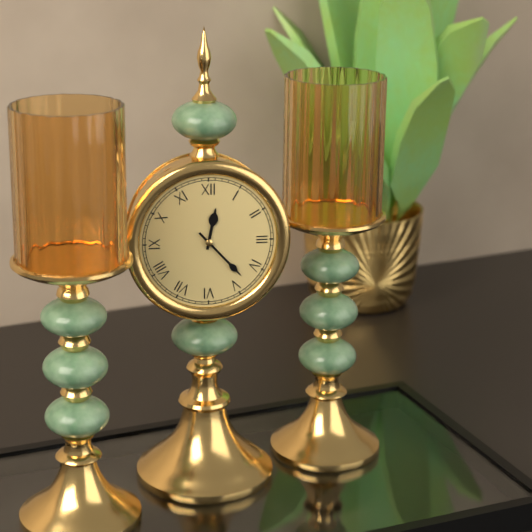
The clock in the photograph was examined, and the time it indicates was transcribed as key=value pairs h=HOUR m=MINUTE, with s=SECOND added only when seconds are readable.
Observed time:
h=12 m=23
